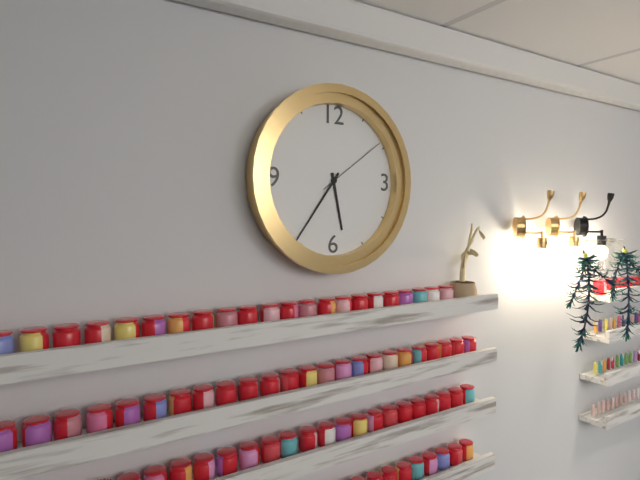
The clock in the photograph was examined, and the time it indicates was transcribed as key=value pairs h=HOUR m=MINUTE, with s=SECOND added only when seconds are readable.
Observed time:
h=5 m=36 s=9
